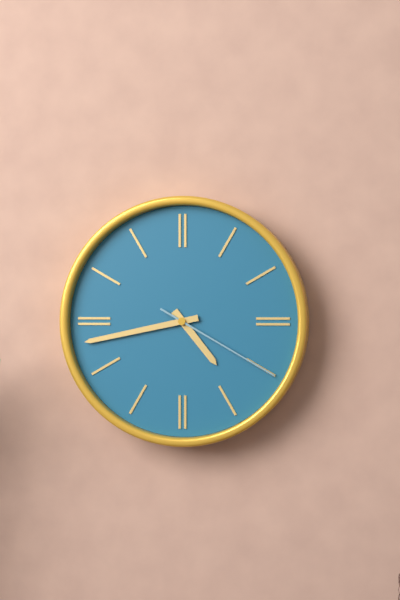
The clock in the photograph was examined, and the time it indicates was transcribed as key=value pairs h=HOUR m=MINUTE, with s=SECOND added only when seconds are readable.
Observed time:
h=4 m=43 s=20
